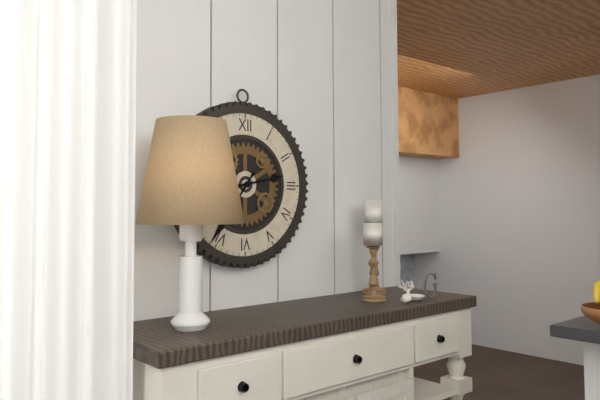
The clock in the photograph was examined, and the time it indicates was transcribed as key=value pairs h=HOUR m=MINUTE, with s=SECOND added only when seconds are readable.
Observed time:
h=2 m=36
